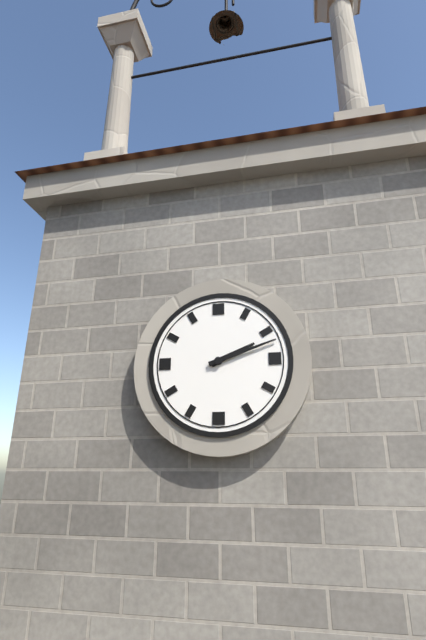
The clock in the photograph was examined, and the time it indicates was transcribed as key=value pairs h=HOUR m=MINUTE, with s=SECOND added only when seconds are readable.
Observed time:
h=2 m=12
